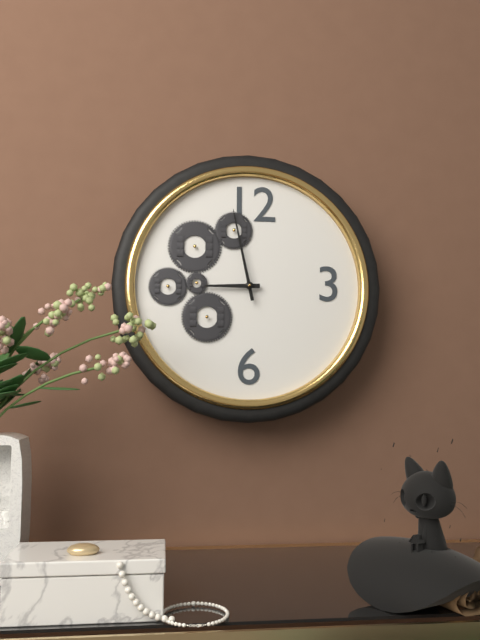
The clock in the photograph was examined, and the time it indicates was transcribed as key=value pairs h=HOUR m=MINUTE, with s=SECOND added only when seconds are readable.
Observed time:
h=8 m=58
